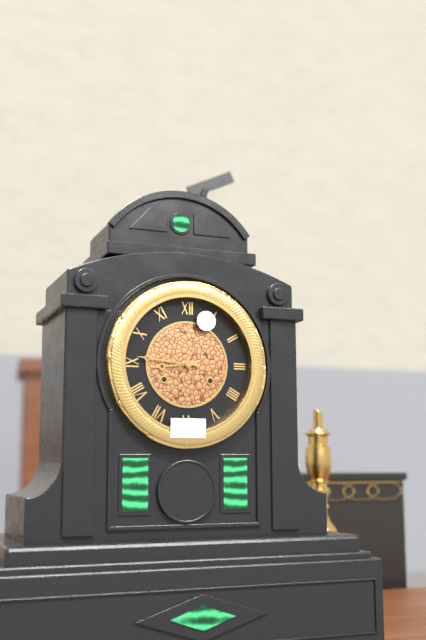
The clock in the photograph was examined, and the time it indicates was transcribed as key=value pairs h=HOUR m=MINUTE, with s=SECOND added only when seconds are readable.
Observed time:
h=8 m=46
